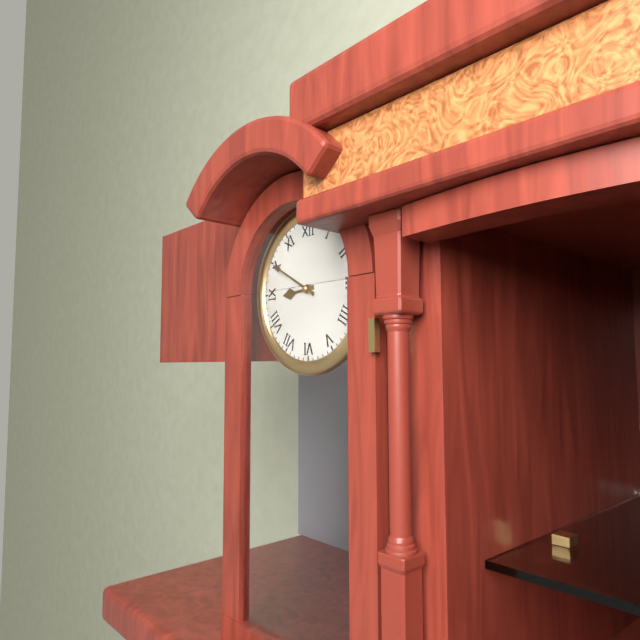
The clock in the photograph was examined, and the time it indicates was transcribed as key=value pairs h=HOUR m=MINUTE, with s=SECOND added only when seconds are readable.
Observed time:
h=8 m=50
